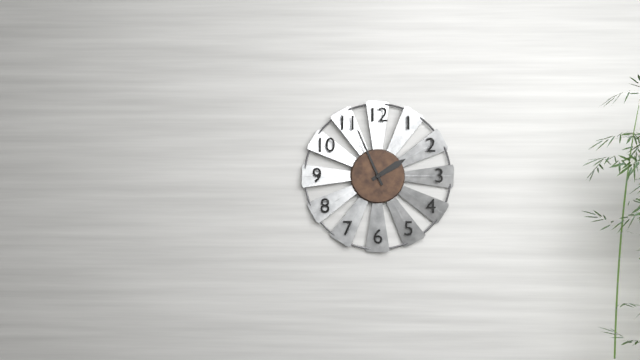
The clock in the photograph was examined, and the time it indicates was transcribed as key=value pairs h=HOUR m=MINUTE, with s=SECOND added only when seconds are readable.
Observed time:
h=1 m=56
